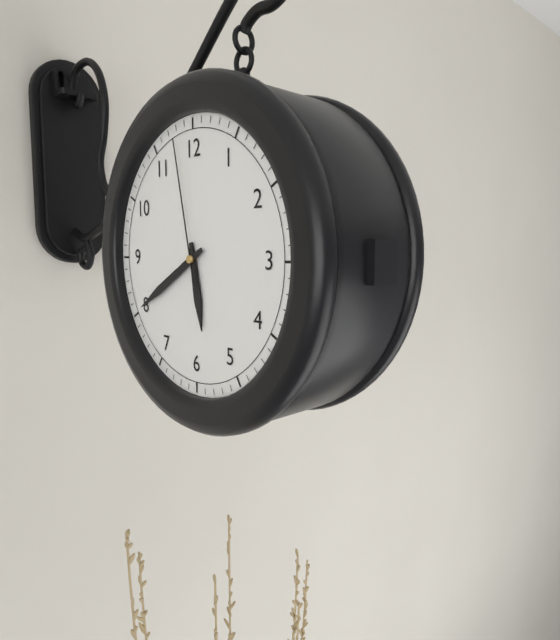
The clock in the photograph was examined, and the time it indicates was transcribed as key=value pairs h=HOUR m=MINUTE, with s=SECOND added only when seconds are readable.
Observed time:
h=5 m=40 s=58
